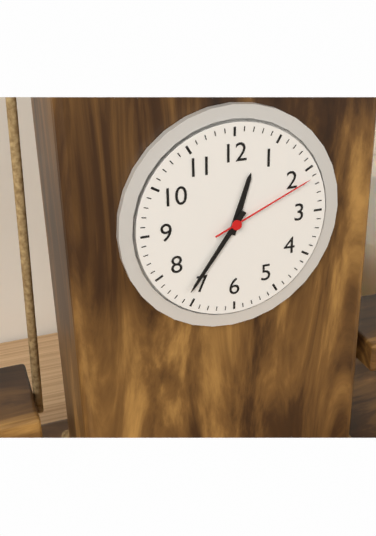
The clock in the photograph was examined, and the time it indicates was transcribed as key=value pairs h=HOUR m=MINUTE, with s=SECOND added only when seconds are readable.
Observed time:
h=12 m=36 s=11
